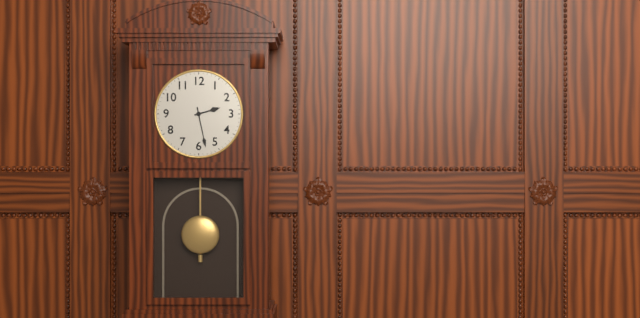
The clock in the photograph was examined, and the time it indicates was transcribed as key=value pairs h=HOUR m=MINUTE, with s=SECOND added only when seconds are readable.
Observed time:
h=2 m=28
